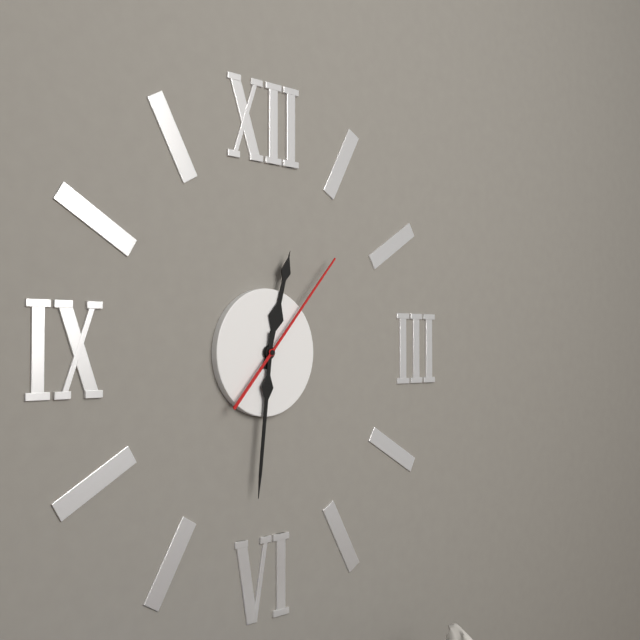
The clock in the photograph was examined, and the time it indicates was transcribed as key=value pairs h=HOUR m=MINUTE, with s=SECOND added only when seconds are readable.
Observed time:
h=12 m=31 s=7
